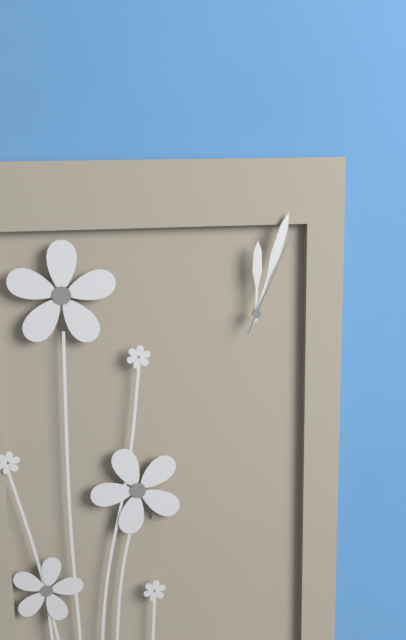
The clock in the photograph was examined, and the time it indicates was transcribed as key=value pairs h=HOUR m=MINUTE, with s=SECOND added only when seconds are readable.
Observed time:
h=12 m=3 s=4
